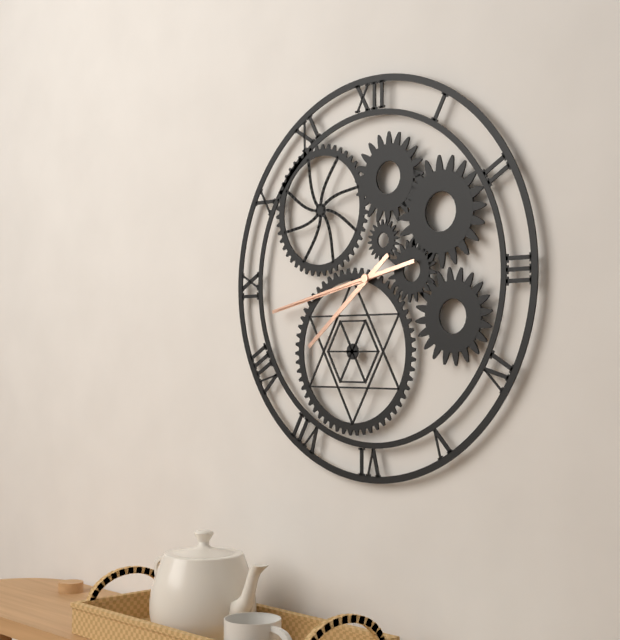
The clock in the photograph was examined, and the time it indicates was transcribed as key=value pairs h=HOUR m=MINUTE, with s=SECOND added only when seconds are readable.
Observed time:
h=7 m=43 s=43
